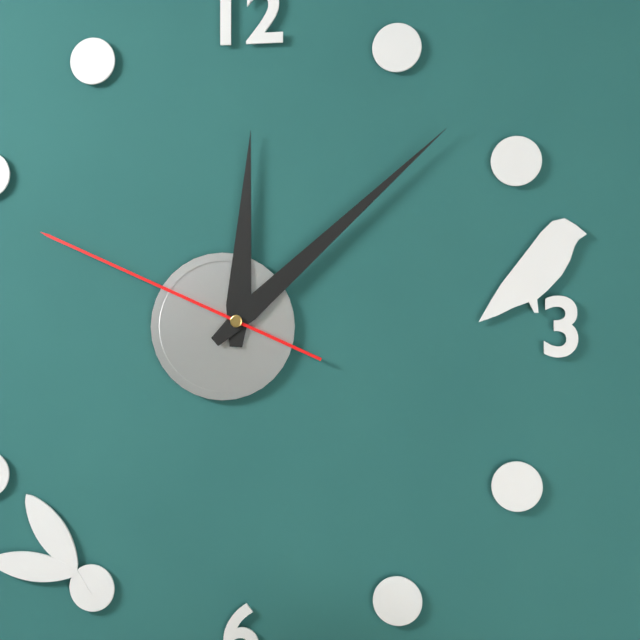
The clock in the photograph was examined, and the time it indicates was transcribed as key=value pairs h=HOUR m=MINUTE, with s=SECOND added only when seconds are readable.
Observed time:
h=12 m=8 s=49
